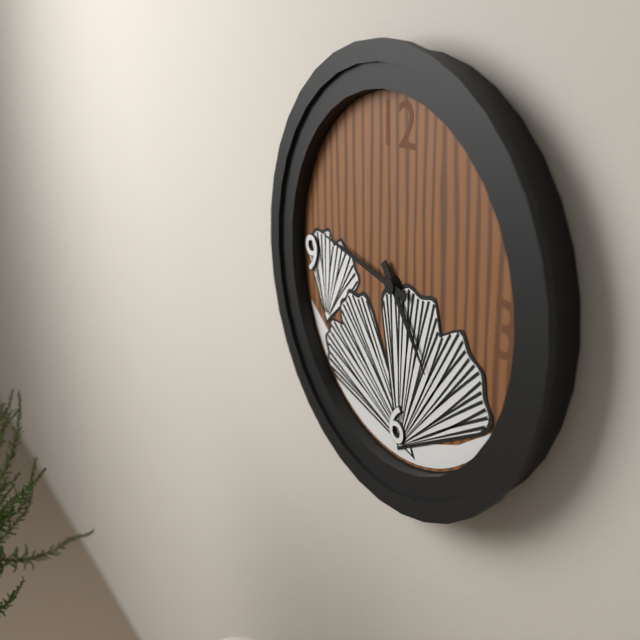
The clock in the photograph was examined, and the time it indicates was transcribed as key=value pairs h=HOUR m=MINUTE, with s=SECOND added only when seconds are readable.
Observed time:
h=4 m=47
